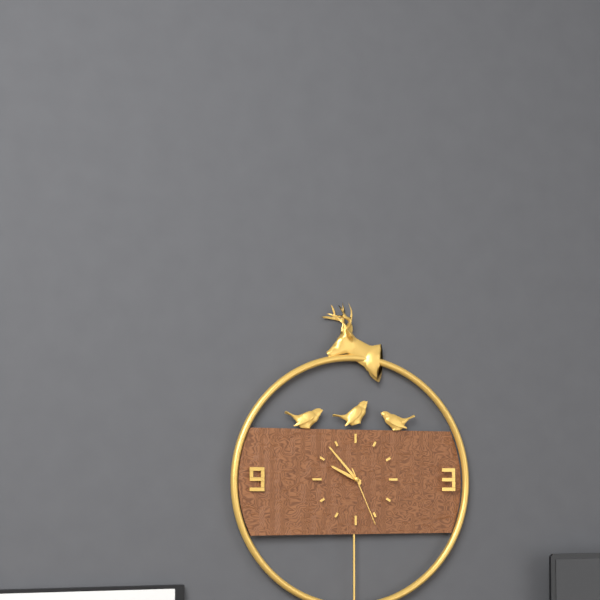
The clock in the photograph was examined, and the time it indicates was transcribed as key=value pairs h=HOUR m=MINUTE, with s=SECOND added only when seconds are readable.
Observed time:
h=9 m=53 s=26
